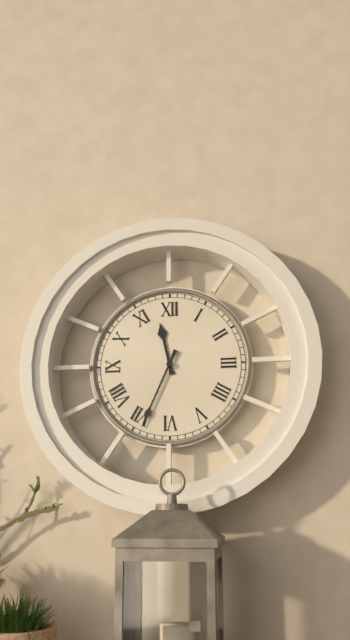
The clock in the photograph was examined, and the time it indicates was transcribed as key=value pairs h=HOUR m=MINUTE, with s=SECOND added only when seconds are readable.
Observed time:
h=11 m=34
